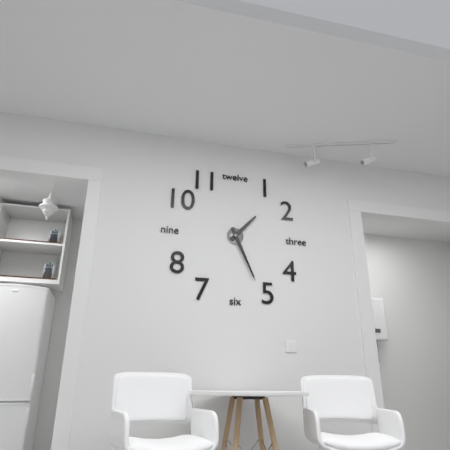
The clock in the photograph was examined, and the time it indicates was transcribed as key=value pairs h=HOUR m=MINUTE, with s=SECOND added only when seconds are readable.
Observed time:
h=1 m=26
